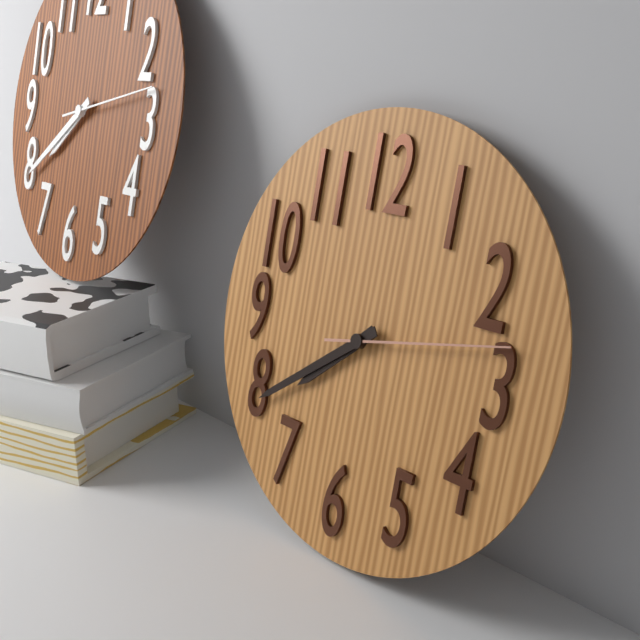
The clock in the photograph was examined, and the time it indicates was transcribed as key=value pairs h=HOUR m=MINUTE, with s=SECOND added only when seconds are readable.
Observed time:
h=7 m=39 s=13
